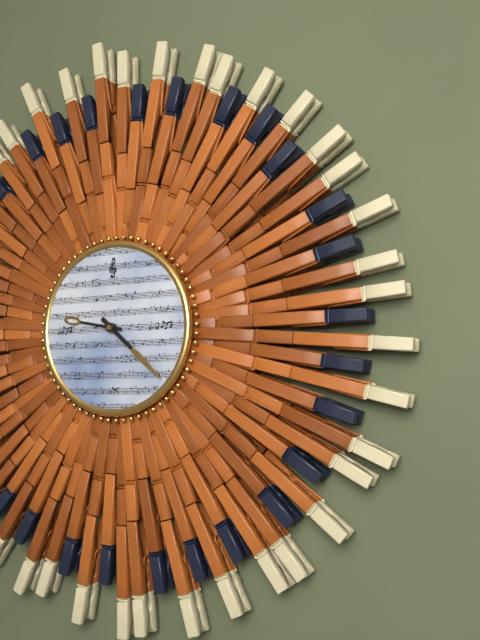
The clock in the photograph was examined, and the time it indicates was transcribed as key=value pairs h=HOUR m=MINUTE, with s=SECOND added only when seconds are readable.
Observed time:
h=9 m=22
